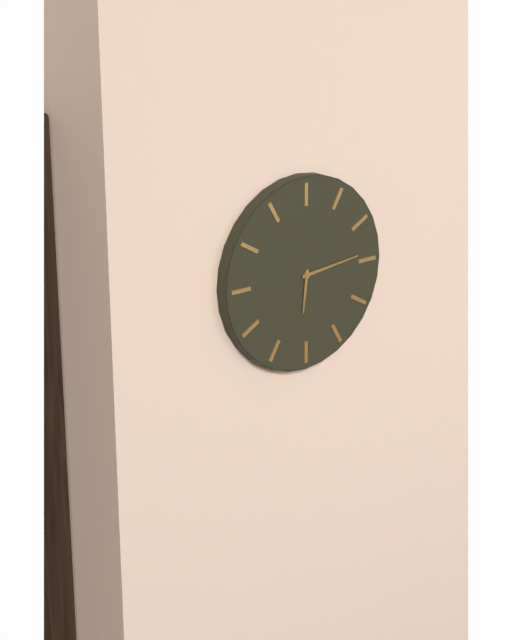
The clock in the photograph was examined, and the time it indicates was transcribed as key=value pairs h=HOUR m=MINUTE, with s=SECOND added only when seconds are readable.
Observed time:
h=6 m=14
